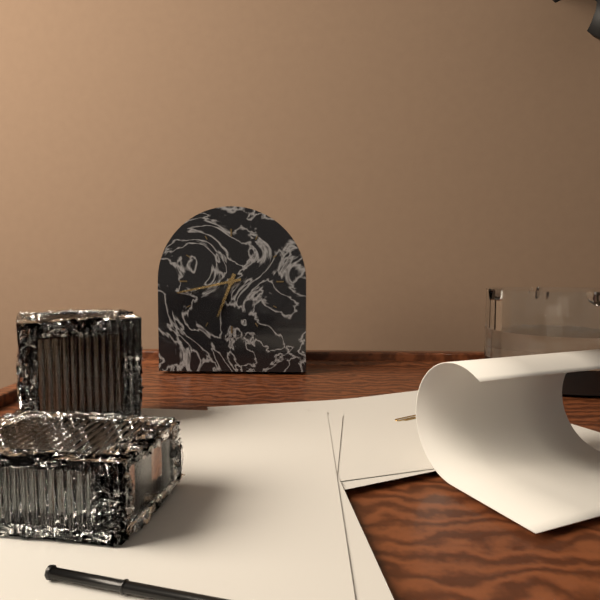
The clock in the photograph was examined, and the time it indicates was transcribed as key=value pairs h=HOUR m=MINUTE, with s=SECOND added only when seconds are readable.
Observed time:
h=6 m=43
